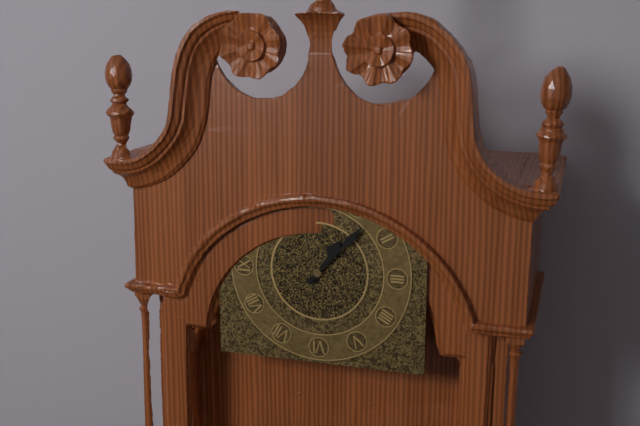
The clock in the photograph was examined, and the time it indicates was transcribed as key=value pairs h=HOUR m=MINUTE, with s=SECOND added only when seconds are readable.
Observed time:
h=1 m=7
